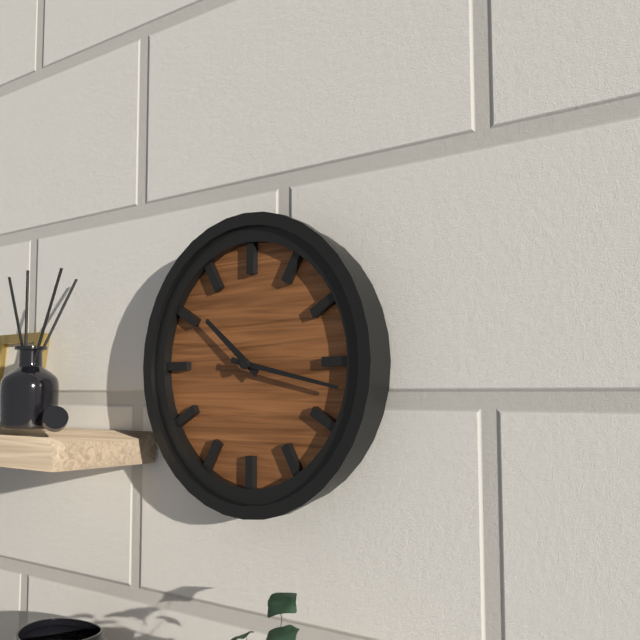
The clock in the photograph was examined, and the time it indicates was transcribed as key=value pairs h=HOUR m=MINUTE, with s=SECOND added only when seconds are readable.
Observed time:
h=10 m=17
